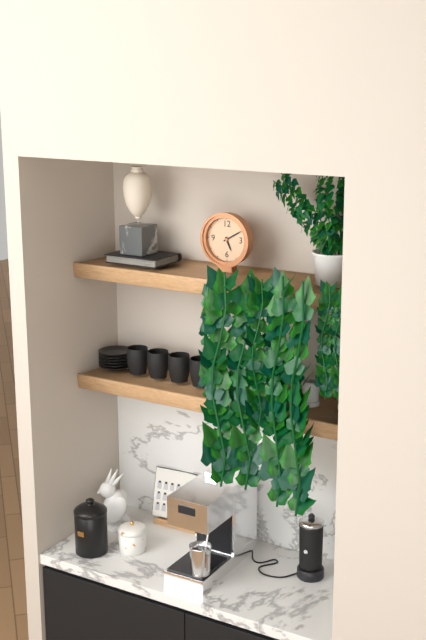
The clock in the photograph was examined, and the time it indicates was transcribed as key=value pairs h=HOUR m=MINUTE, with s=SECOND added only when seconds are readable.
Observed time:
h=5 m=10
